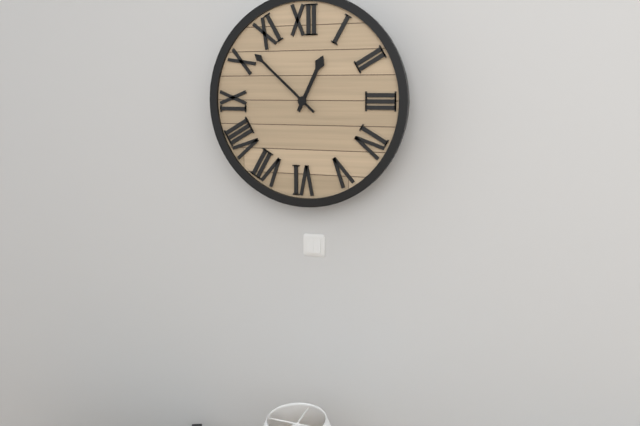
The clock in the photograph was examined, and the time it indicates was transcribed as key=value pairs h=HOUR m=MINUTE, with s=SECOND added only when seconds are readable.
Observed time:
h=12 m=52
